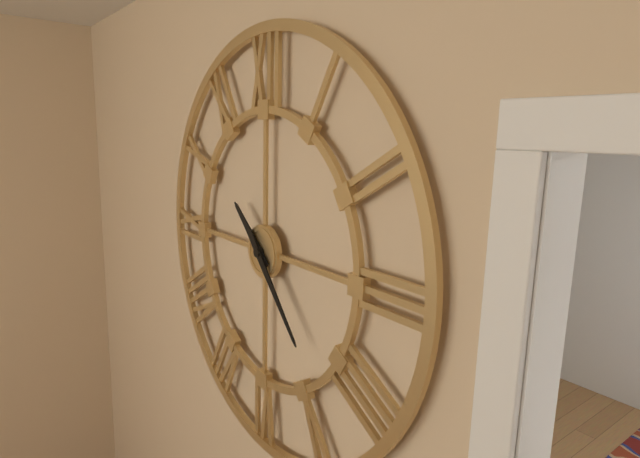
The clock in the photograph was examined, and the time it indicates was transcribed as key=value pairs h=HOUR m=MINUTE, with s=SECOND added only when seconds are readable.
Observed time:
h=10 m=23
